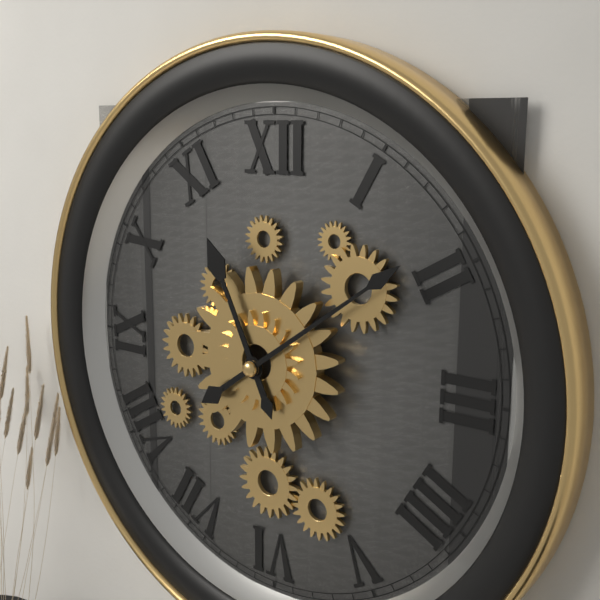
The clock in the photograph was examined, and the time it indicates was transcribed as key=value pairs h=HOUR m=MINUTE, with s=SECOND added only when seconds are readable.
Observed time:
h=11 m=9
